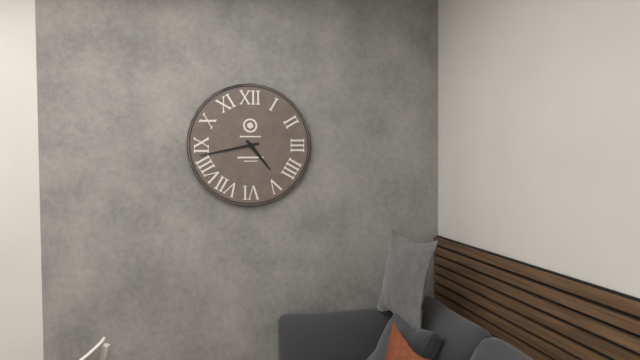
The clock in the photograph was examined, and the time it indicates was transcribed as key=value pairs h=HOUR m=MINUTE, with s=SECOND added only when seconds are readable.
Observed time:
h=4 m=43
